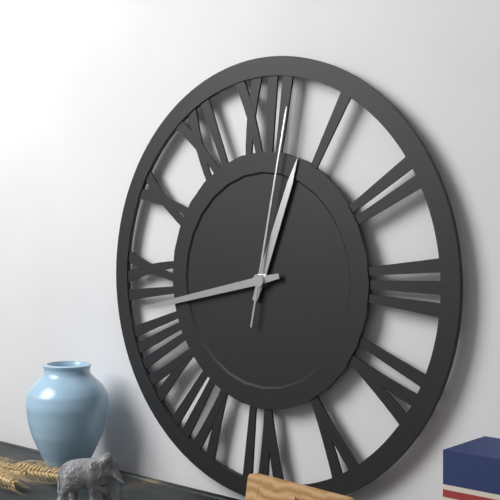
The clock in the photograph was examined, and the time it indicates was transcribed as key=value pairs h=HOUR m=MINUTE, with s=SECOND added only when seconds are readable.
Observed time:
h=12 m=43 s=2
